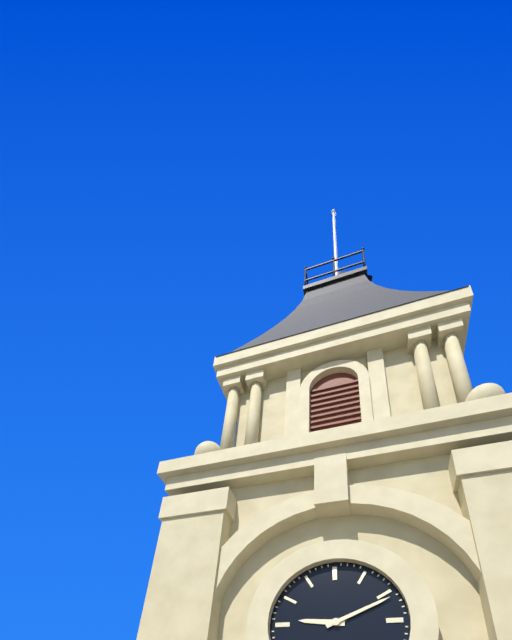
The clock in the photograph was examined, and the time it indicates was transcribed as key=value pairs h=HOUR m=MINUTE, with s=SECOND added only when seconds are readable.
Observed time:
h=9 m=11
